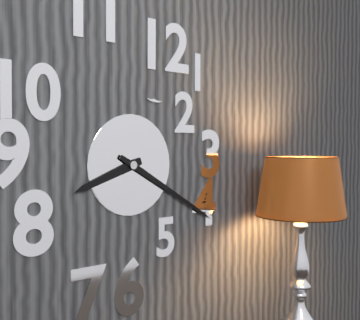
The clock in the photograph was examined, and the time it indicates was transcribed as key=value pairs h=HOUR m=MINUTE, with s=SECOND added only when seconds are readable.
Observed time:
h=8 m=20
